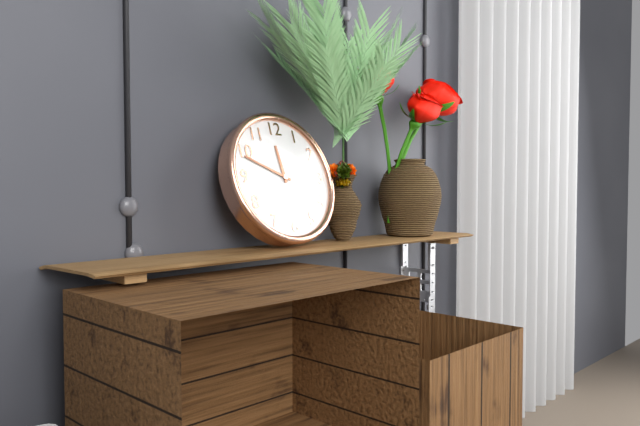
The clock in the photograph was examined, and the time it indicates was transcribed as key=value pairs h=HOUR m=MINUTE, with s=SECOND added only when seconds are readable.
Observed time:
h=11 m=49
